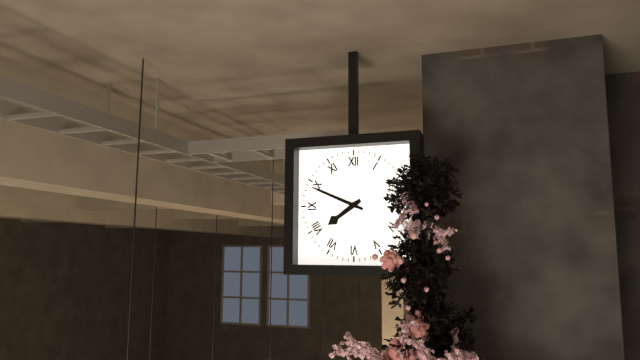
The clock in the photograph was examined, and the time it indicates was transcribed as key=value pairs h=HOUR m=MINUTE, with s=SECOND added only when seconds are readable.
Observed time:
h=7 m=49
